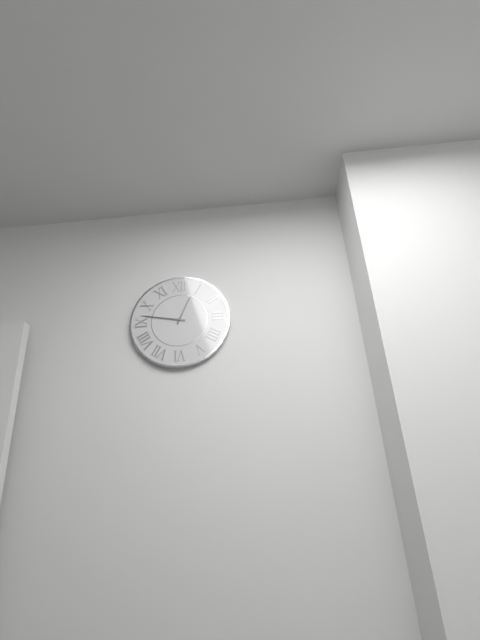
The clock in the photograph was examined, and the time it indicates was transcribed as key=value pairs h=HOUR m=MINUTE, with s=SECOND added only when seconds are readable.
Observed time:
h=12 m=47
